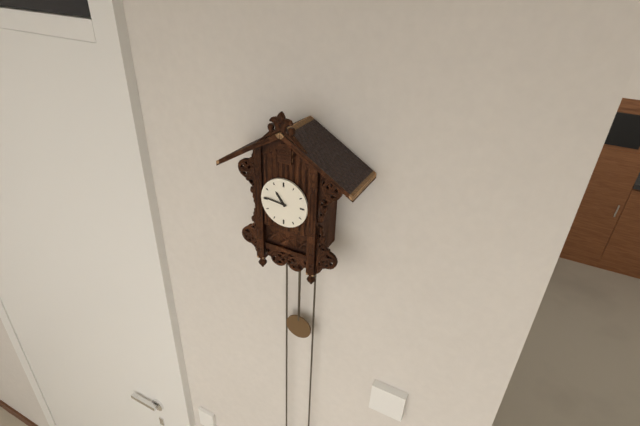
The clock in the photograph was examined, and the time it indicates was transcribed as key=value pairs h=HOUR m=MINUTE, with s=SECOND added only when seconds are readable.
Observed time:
h=10 m=46
